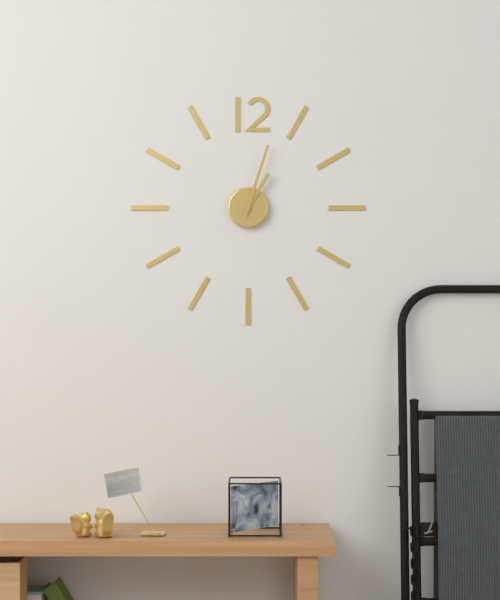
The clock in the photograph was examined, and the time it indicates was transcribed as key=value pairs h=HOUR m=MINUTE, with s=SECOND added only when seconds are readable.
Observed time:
h=1 m=3
